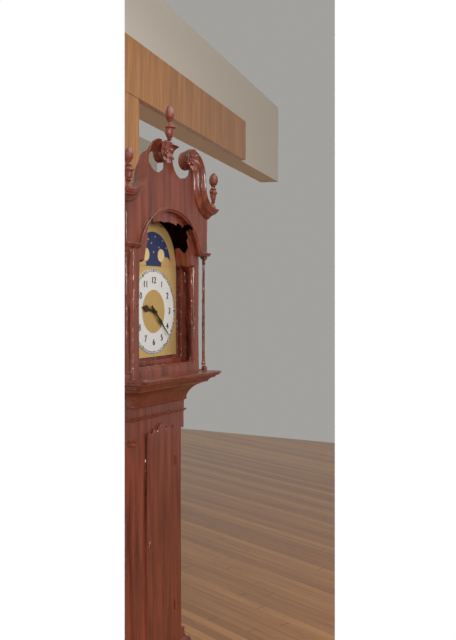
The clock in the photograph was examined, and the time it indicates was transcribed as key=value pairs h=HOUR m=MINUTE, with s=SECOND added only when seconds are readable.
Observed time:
h=9 m=22
